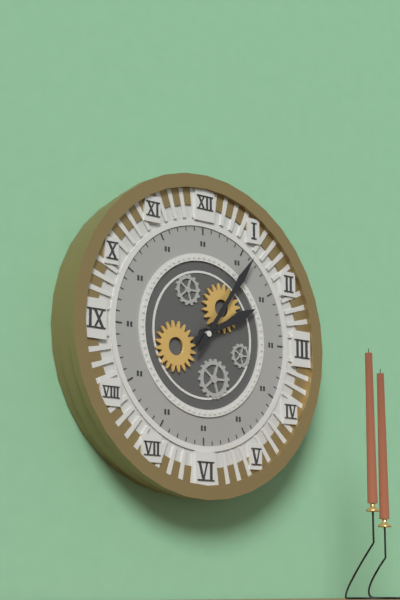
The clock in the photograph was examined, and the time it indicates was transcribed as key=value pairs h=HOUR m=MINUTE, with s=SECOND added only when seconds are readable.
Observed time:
h=2 m=6
